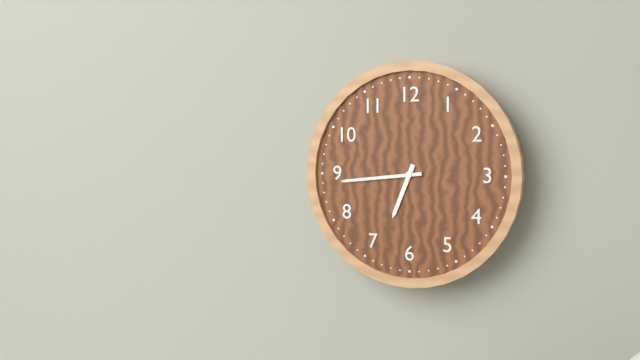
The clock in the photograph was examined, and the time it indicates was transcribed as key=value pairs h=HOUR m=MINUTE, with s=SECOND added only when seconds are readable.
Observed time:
h=6 m=44
